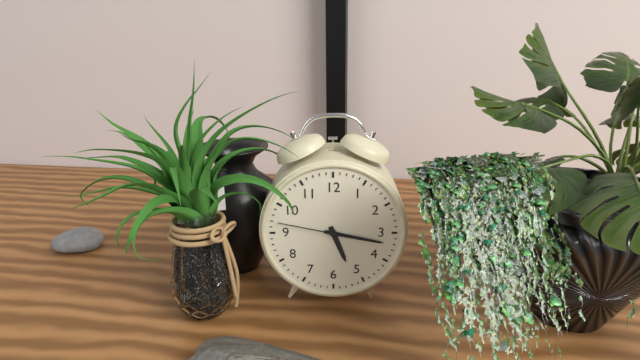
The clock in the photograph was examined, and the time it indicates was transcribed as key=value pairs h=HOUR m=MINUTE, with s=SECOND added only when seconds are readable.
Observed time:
h=5 m=17 s=47
